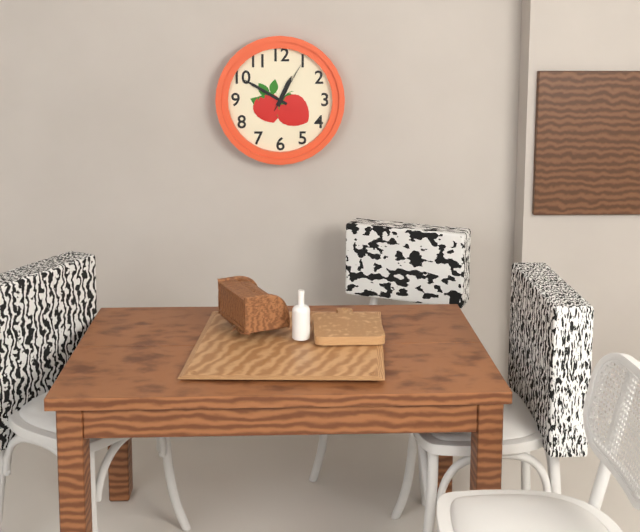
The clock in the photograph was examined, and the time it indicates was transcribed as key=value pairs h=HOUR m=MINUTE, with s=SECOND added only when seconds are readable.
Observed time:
h=12 m=50 s=5
